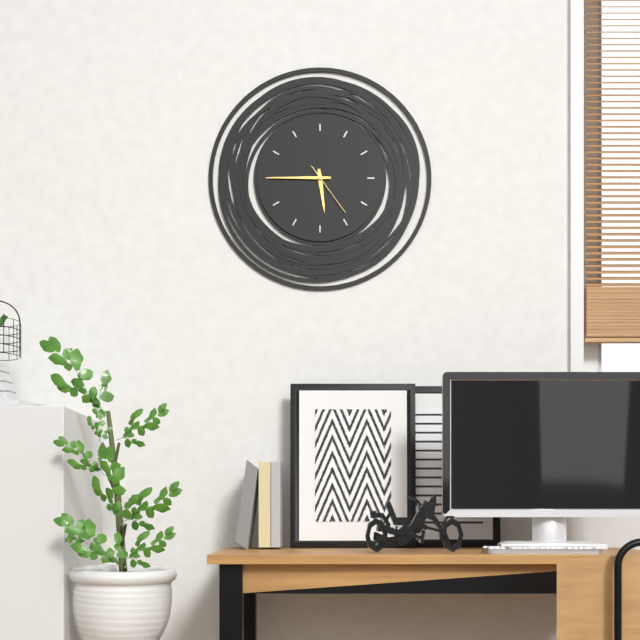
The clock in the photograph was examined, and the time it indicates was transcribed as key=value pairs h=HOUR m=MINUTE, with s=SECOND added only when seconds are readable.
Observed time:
h=5 m=45 s=24
